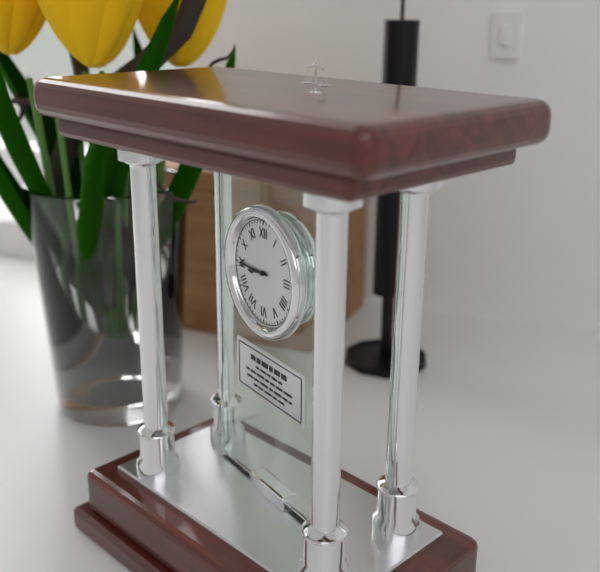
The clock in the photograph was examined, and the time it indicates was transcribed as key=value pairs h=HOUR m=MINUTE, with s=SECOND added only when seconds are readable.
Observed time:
h=8 m=45
